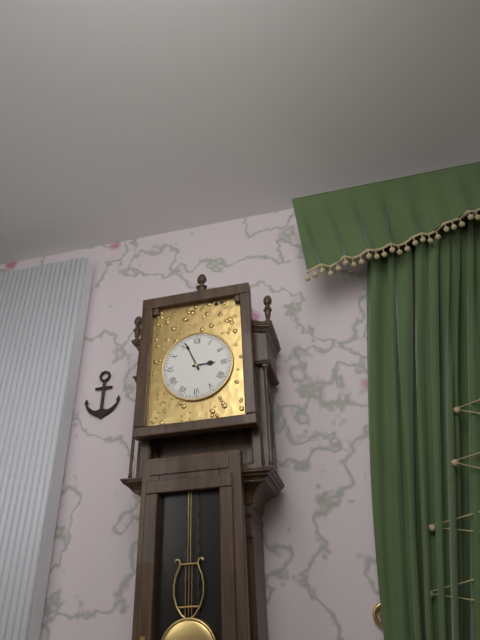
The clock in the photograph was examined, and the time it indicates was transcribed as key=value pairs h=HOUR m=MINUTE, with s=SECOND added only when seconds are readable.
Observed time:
h=2 m=56
